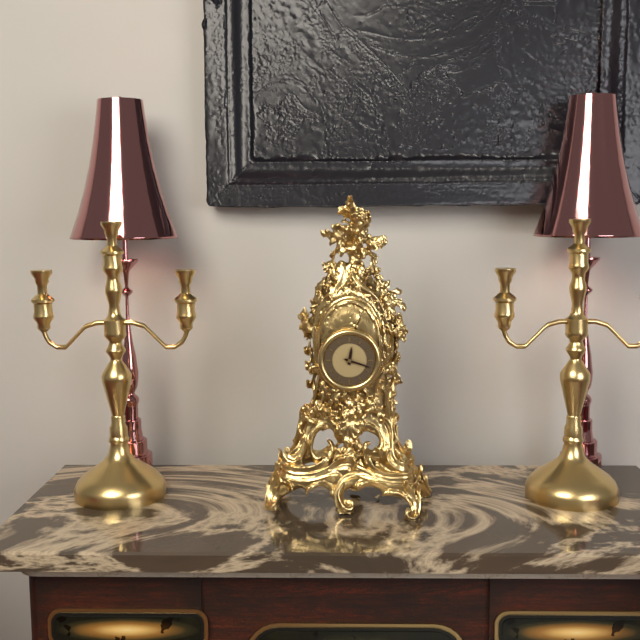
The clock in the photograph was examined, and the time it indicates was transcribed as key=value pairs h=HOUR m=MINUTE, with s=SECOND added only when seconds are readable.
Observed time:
h=12 m=18
